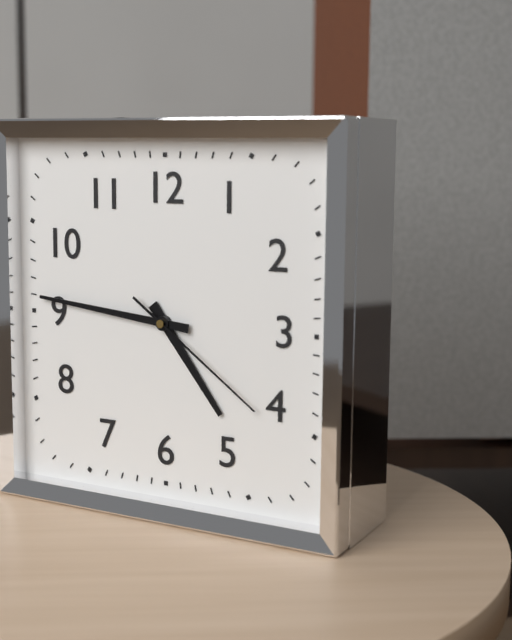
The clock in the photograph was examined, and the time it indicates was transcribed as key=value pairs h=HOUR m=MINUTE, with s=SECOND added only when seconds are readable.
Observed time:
h=4 m=46 s=21
